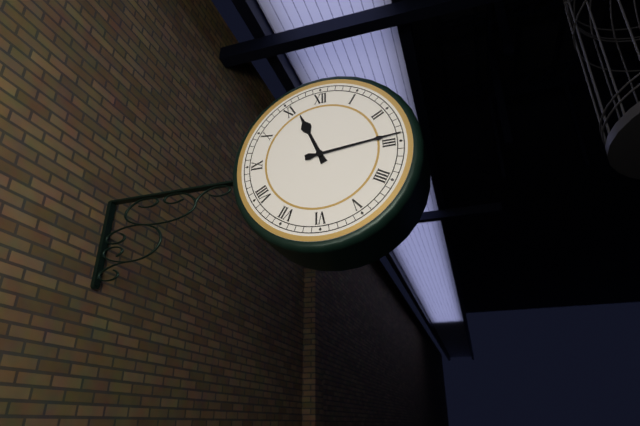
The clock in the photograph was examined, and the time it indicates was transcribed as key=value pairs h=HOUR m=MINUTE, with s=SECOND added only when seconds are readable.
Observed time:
h=11 m=14
